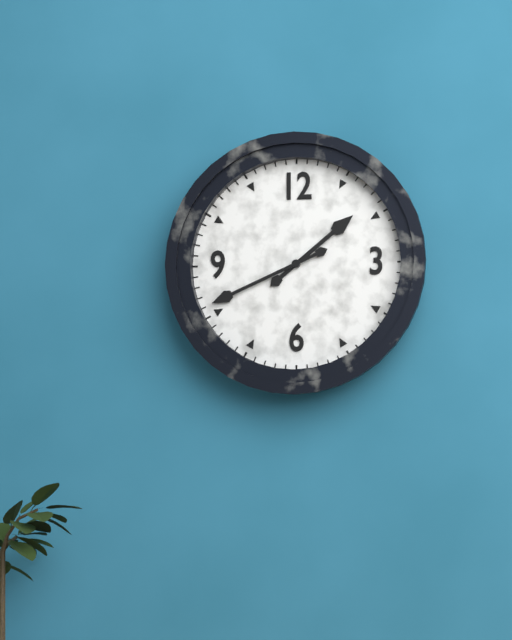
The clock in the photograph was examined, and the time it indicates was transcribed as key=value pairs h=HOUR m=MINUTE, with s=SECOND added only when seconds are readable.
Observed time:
h=1 m=41
